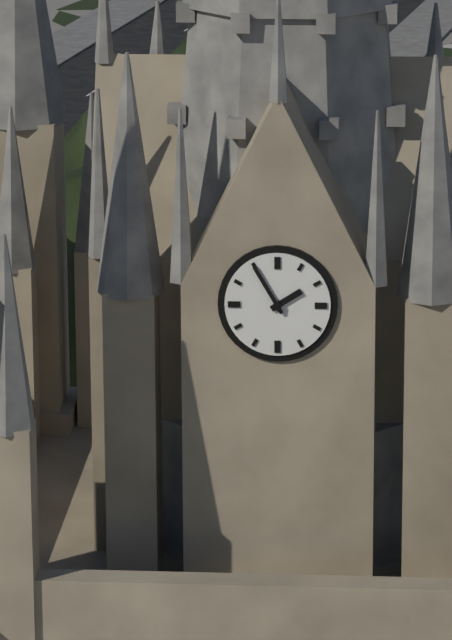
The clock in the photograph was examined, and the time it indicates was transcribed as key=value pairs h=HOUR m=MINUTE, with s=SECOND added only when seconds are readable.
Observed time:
h=1 m=55
